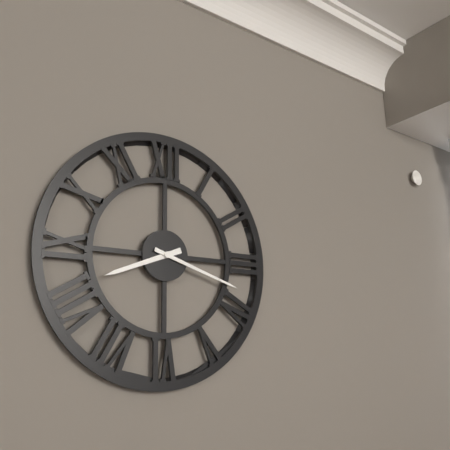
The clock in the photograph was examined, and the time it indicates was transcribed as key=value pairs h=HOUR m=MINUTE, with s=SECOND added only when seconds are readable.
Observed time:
h=8 m=18
